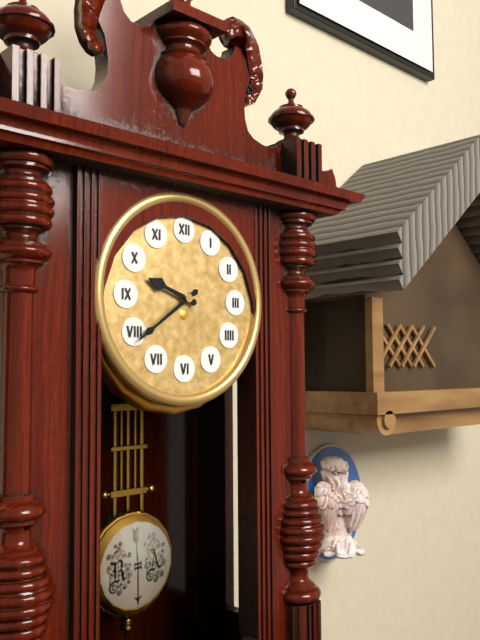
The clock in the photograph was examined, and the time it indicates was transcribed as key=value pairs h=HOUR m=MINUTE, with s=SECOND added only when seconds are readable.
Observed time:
h=9 m=39
